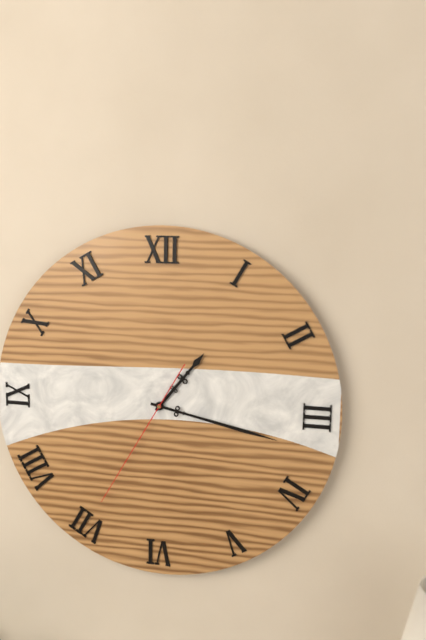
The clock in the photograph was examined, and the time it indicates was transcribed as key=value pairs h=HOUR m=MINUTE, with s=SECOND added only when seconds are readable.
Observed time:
h=1 m=17 s=35
